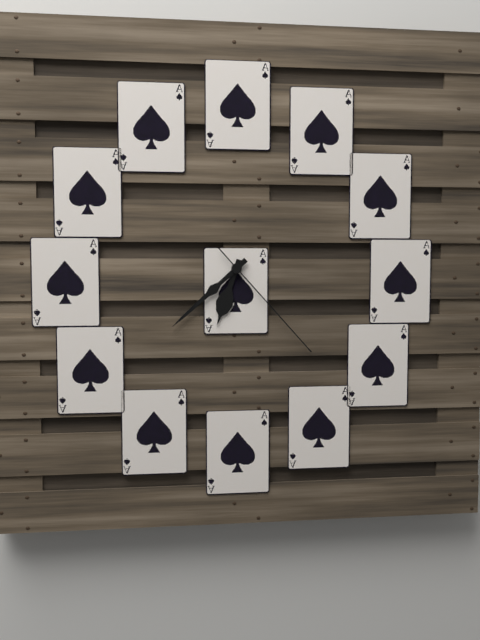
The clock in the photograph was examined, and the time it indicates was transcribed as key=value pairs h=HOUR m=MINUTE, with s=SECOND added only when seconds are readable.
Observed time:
h=6 m=38 s=23
